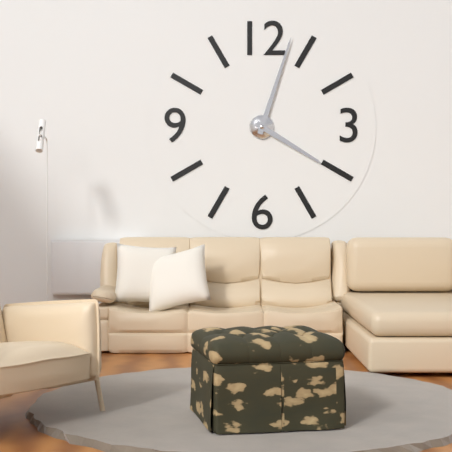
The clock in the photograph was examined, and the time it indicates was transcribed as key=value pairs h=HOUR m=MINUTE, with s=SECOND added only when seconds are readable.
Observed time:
h=4 m=3
